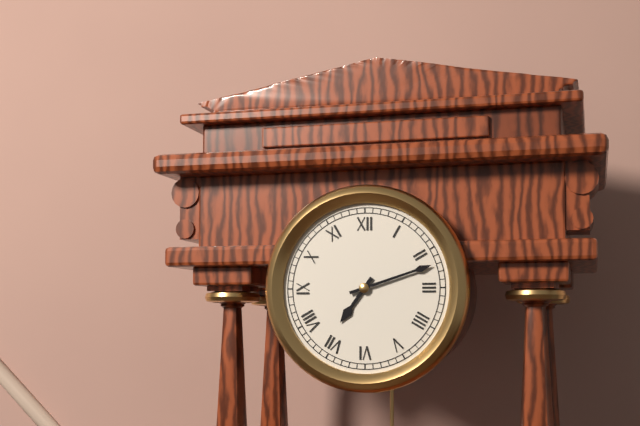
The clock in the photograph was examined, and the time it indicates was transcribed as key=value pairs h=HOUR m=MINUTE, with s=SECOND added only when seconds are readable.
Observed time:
h=7 m=12
